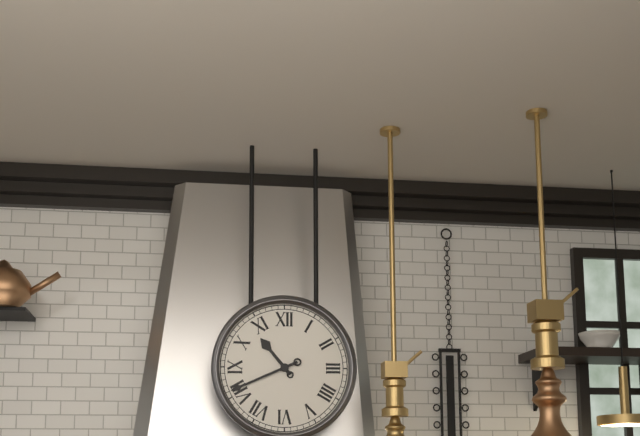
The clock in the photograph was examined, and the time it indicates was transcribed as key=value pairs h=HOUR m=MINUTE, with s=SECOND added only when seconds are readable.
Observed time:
h=10 m=41
